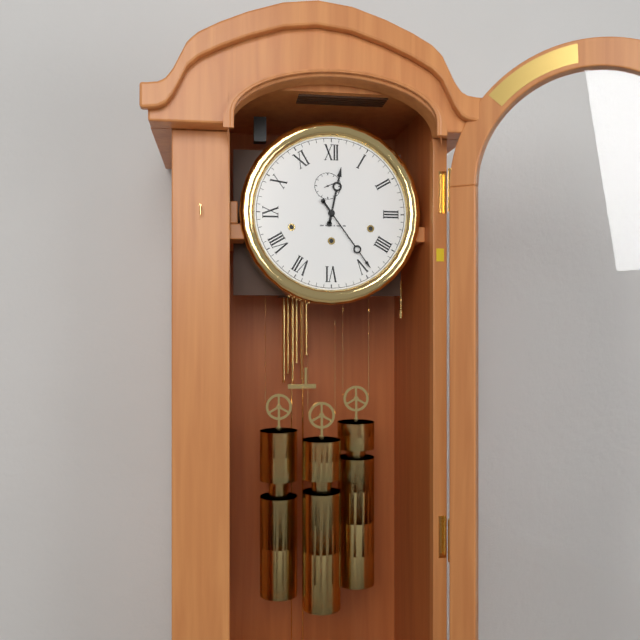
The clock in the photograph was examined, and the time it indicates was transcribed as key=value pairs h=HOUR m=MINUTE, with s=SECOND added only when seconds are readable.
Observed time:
h=12 m=24
